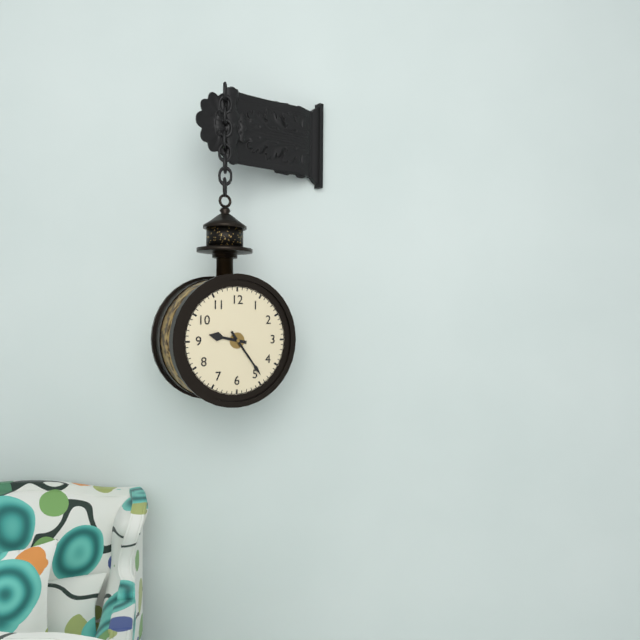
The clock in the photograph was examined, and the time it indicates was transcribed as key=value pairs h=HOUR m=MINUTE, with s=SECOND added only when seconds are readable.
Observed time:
h=9 m=24
